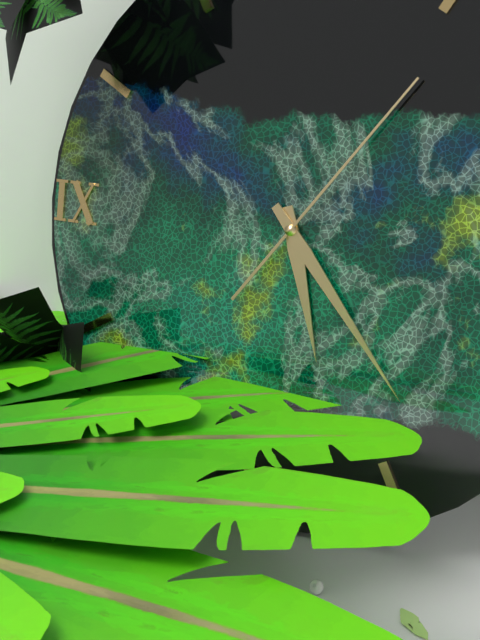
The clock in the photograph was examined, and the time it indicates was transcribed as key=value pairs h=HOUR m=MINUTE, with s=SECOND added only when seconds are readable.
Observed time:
h=5 m=23 s=6
